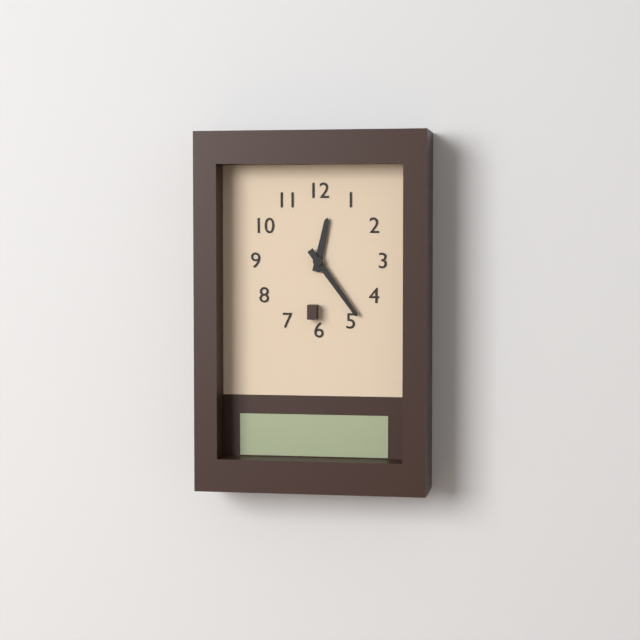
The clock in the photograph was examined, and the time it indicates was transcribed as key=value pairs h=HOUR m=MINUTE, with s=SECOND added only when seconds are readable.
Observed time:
h=12 m=24
